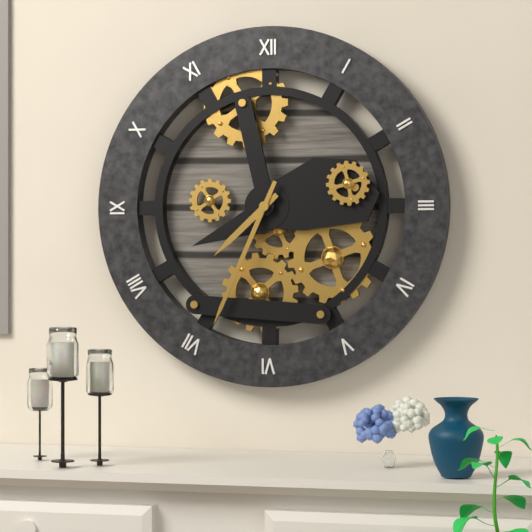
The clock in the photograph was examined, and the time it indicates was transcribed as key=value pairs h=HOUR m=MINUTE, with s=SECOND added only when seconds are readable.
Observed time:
h=7 m=34
